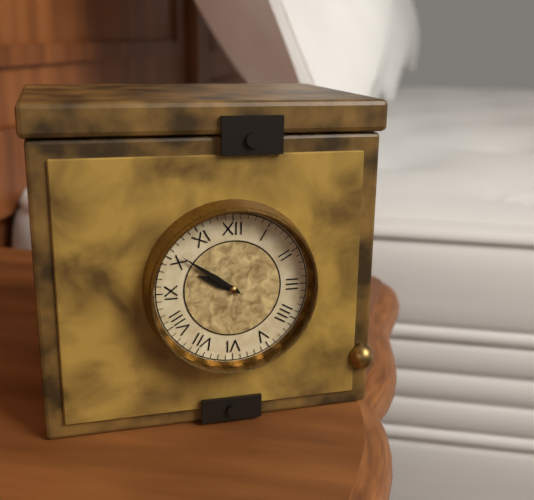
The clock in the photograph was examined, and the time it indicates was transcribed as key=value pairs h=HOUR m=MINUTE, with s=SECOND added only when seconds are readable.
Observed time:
h=9 m=51
